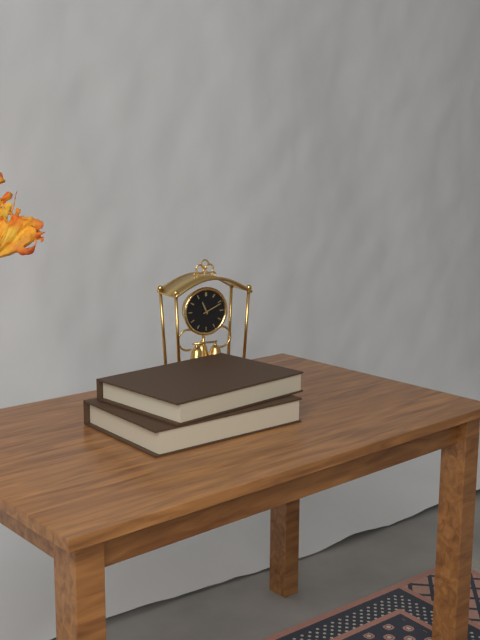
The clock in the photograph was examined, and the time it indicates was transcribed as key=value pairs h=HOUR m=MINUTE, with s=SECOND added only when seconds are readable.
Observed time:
h=11 m=11
